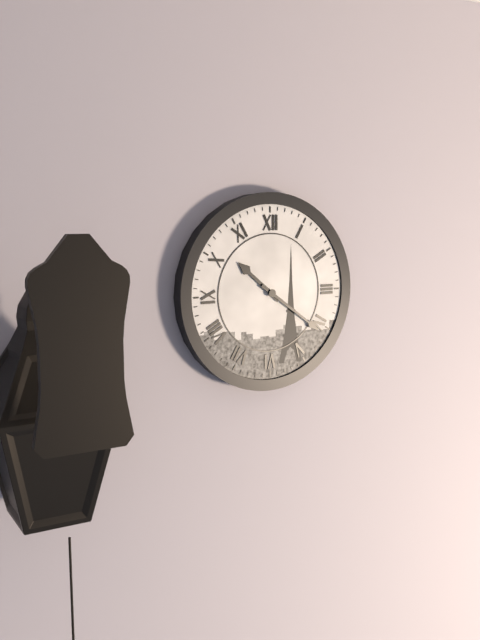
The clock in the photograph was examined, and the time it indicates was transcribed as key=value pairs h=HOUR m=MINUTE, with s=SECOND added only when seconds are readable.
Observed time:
h=10 m=21
